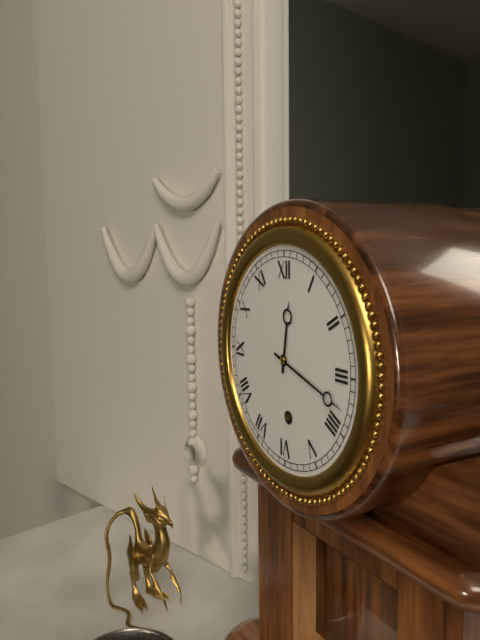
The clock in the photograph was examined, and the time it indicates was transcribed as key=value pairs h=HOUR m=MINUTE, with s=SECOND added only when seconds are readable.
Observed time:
h=12 m=18
